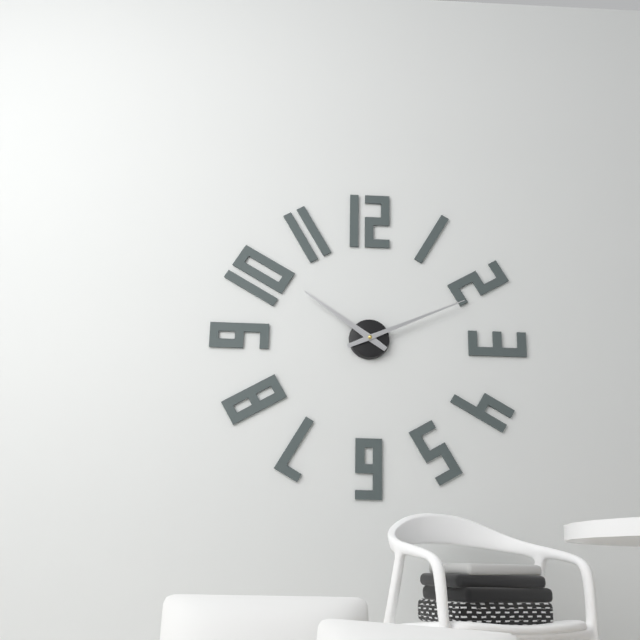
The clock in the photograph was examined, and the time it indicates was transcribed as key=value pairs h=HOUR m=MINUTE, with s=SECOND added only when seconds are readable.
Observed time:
h=10 m=11
